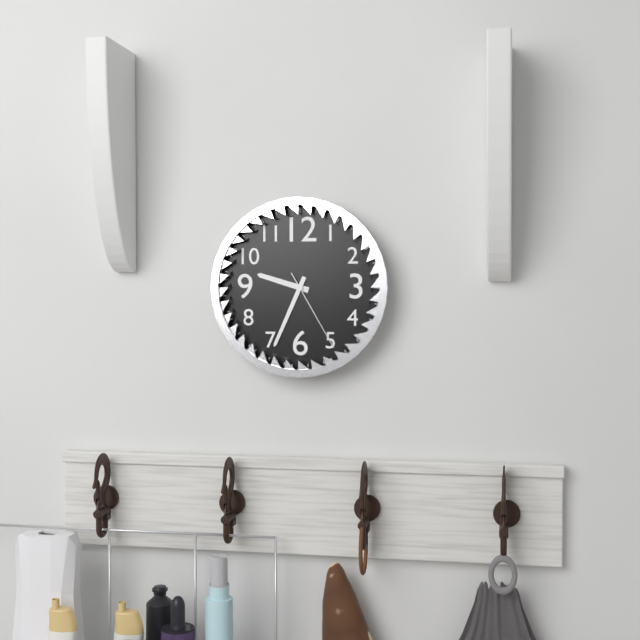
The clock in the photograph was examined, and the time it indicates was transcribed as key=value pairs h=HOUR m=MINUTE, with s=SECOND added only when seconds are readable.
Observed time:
h=9 m=34 s=25
